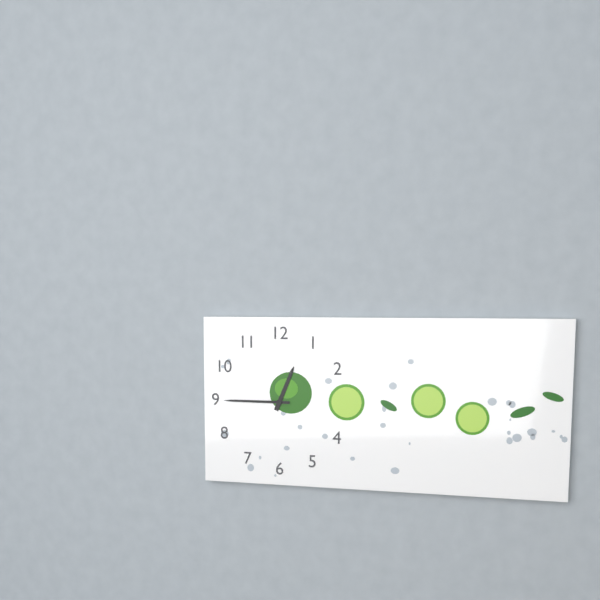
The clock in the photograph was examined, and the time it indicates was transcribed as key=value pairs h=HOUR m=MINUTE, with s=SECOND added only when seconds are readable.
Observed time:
h=12 m=45
